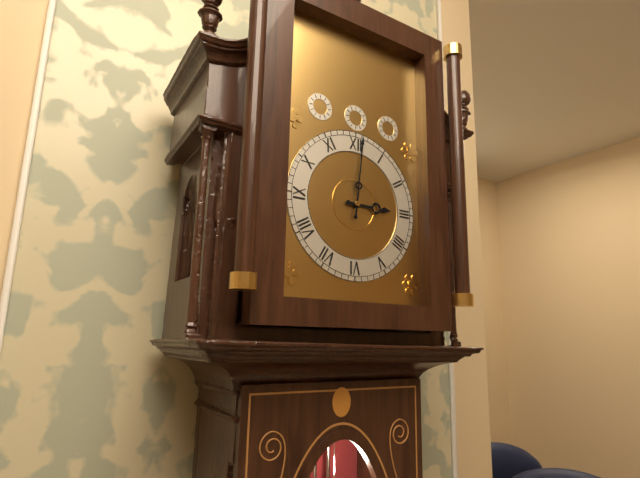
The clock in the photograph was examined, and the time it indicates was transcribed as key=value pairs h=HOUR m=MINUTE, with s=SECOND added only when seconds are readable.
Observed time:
h=3 m=1
